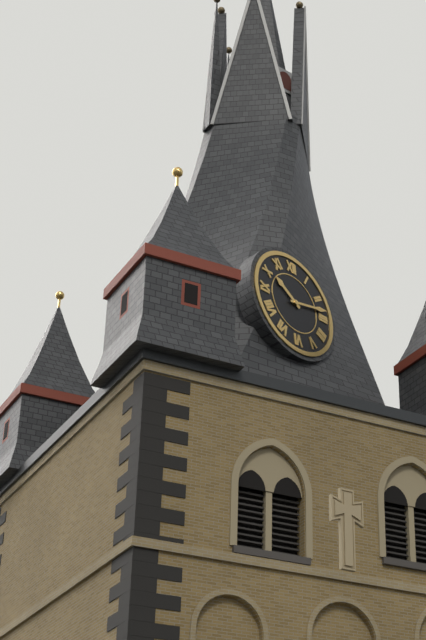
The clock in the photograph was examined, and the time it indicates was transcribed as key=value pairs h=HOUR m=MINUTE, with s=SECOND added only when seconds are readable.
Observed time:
h=10 m=13
